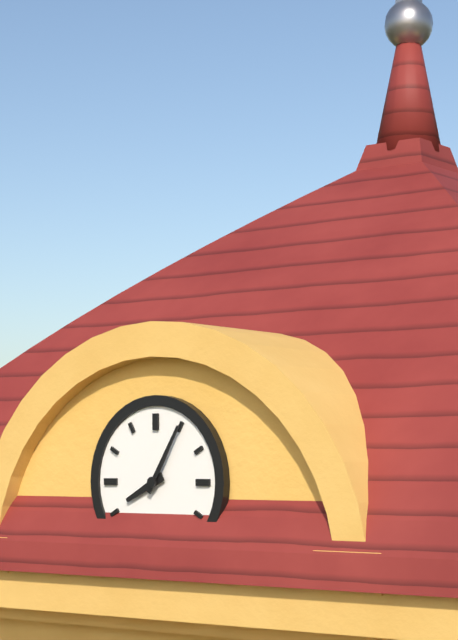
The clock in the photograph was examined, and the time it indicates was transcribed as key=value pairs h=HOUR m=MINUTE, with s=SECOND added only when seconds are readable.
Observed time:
h=8 m=5
